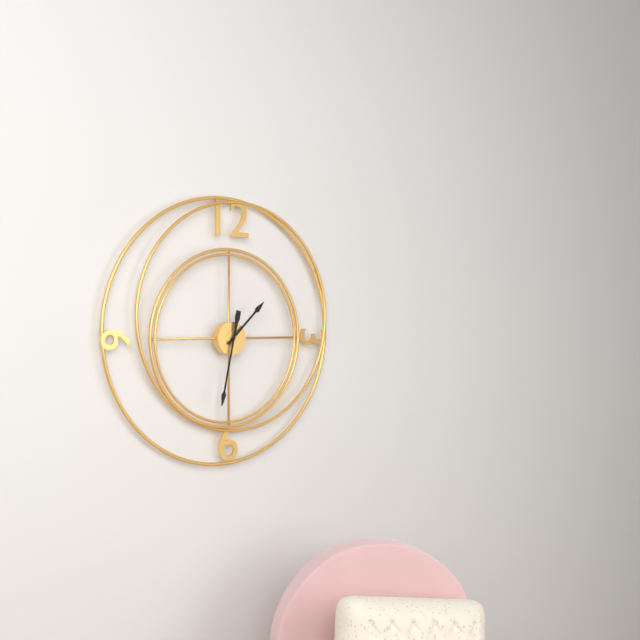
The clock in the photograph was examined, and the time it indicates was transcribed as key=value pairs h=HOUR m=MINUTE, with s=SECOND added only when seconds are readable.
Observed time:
h=1 m=32
